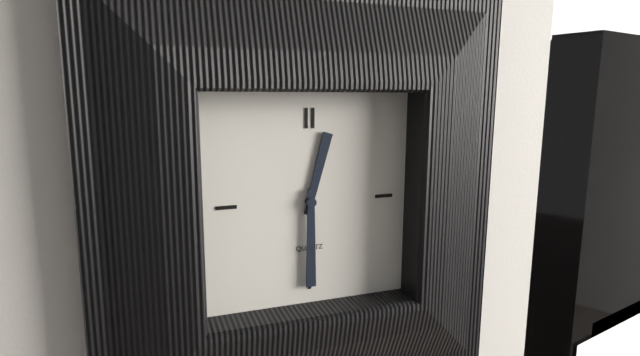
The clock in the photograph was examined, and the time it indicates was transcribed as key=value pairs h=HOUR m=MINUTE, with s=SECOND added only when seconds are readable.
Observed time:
h=12 m=30
